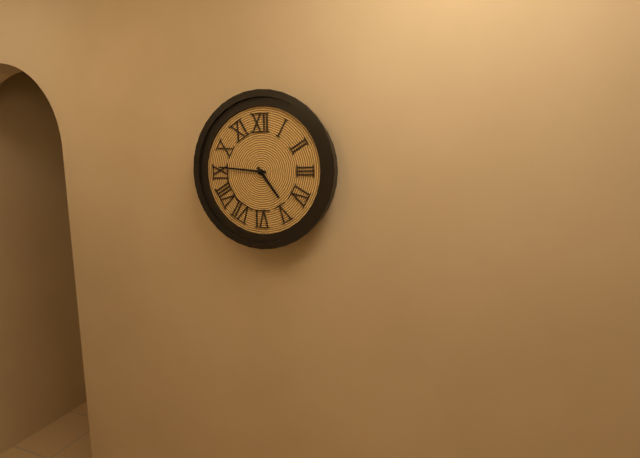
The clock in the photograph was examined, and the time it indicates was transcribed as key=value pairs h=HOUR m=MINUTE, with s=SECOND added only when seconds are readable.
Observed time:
h=4 m=46
